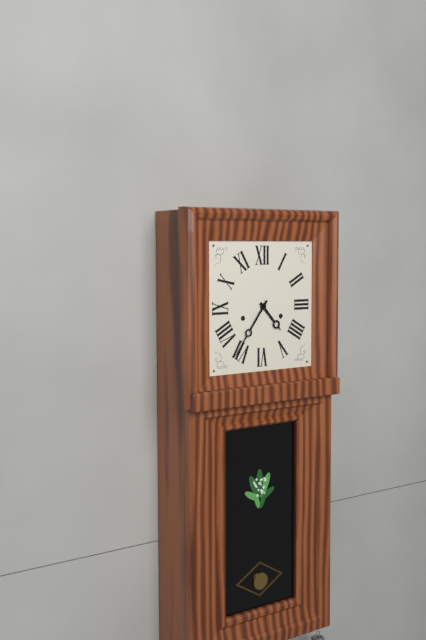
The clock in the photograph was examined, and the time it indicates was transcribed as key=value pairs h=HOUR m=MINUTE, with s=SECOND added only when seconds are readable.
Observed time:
h=4 m=36
